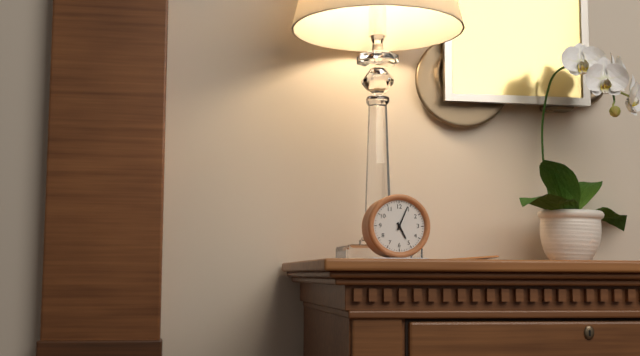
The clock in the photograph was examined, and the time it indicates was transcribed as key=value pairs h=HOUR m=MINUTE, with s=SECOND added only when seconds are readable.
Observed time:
h=5 m=4
